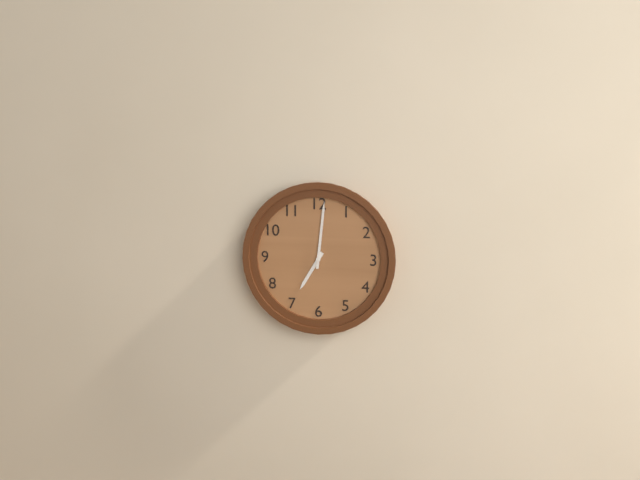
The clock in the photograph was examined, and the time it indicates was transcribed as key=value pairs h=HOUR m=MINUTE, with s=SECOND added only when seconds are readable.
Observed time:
h=7 m=1
